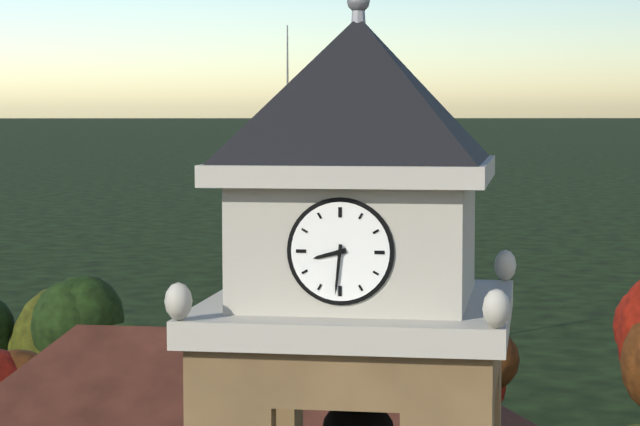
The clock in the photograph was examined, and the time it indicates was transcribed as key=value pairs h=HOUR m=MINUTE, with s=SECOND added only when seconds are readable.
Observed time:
h=8 m=31
